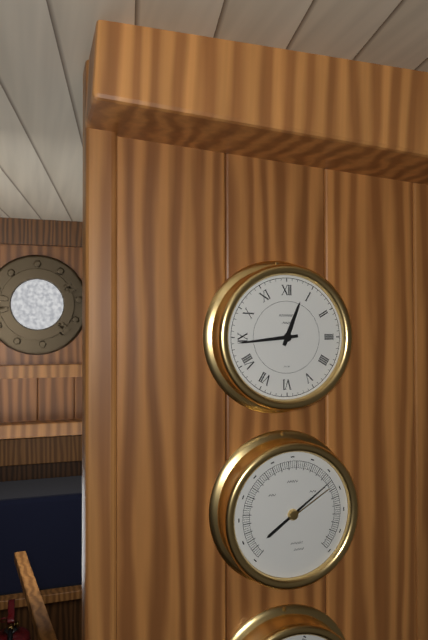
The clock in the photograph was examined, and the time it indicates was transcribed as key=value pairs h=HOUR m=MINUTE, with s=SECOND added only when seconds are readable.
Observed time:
h=12 m=44
